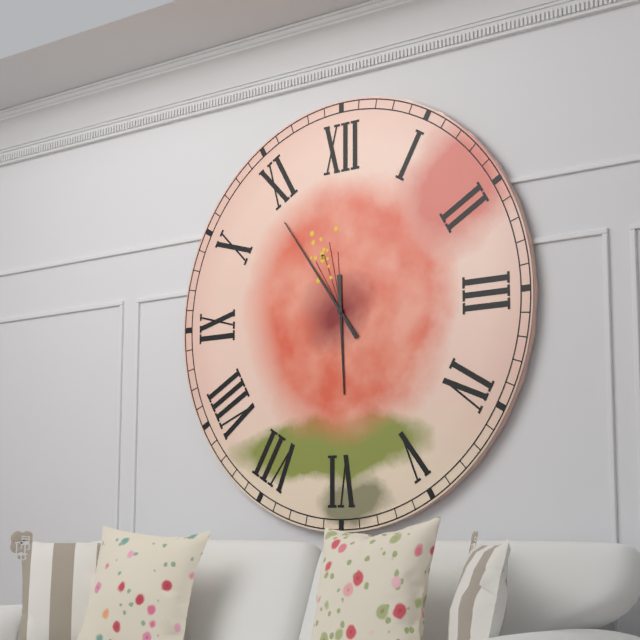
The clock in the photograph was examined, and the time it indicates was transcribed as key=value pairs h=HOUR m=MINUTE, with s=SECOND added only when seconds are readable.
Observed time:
h=5 m=54
